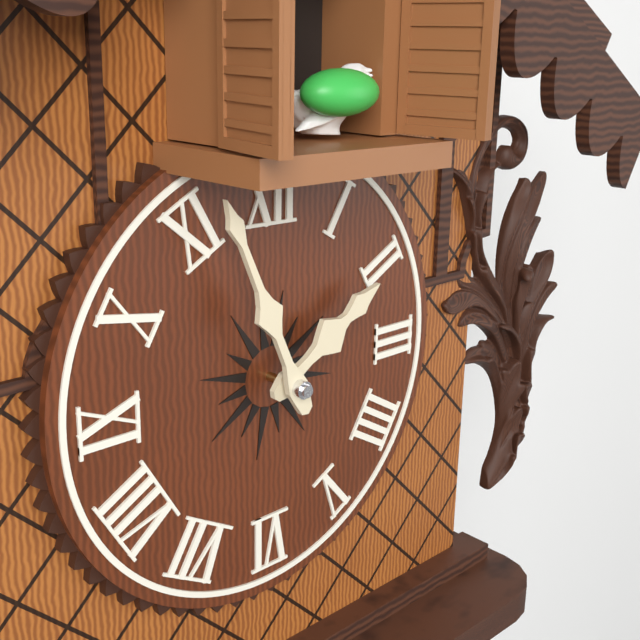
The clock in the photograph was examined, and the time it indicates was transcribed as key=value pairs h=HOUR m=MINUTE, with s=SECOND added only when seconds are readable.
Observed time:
h=1 m=56
